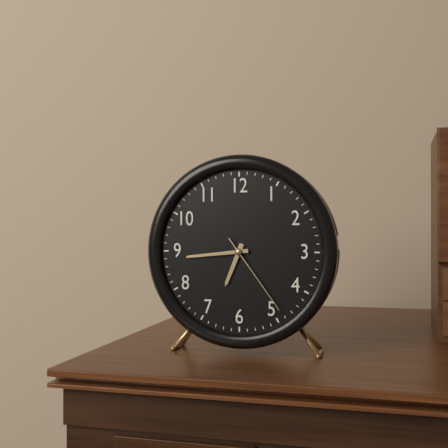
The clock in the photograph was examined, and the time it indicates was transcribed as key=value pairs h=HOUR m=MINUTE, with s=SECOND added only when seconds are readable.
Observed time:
h=6 m=44 s=24
